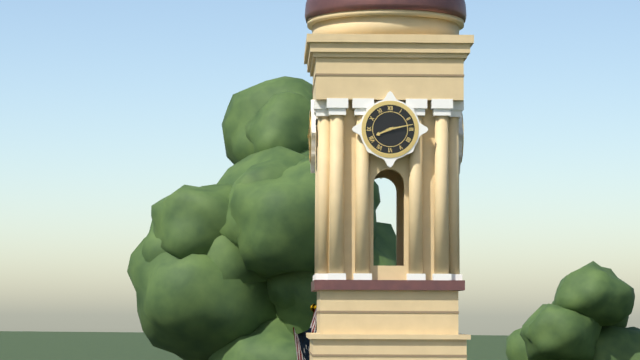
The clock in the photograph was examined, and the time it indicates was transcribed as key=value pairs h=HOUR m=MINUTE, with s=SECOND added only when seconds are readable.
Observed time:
h=8 m=13
